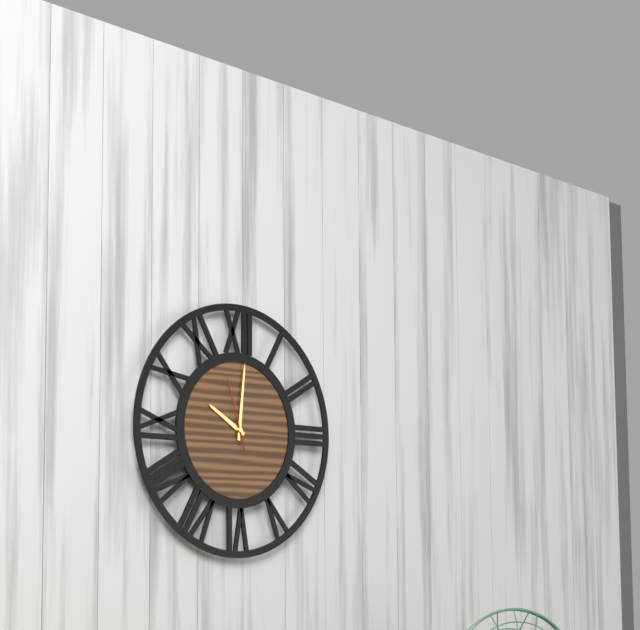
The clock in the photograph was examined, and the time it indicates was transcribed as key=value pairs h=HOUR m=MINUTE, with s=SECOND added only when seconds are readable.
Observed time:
h=10 m=1 s=57
